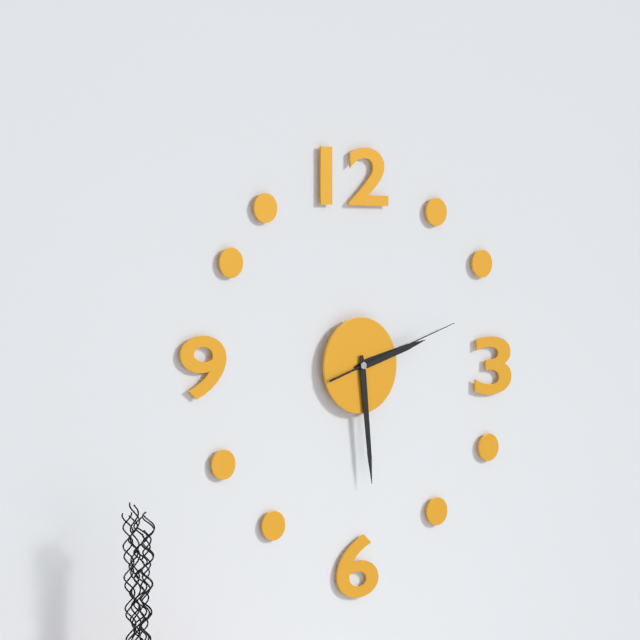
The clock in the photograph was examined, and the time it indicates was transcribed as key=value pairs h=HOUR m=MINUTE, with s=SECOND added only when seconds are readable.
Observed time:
h=2 m=29 s=12
